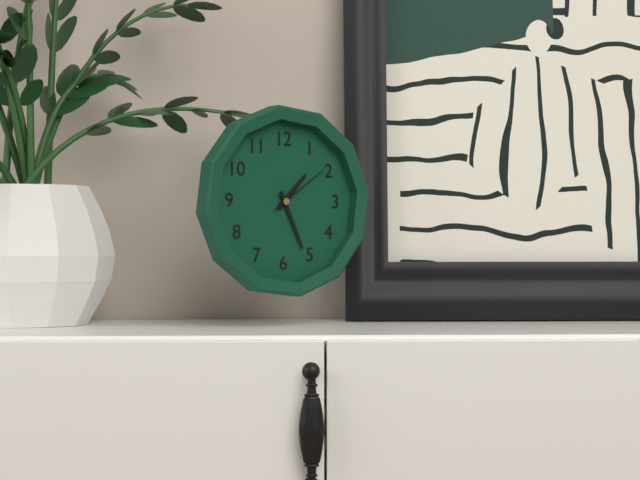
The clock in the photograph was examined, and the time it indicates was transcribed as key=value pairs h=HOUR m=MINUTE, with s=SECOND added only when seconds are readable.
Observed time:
h=1 m=26 s=9
